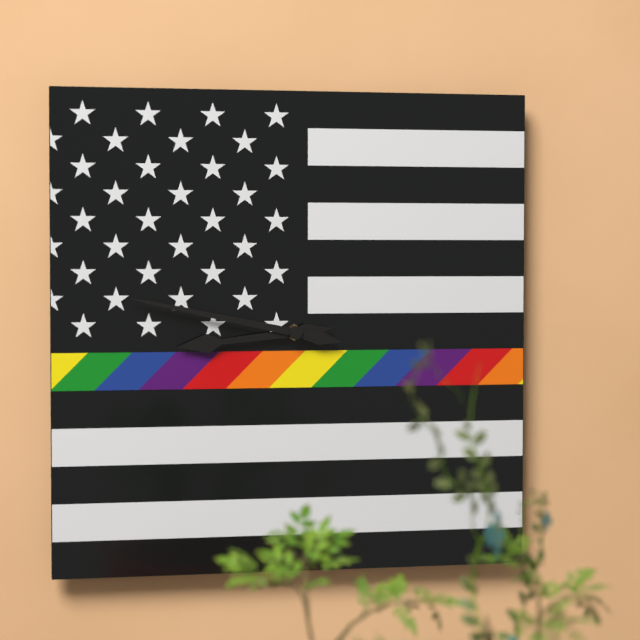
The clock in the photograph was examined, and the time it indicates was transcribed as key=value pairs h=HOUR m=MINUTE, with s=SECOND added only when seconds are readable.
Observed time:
h=8 m=47
